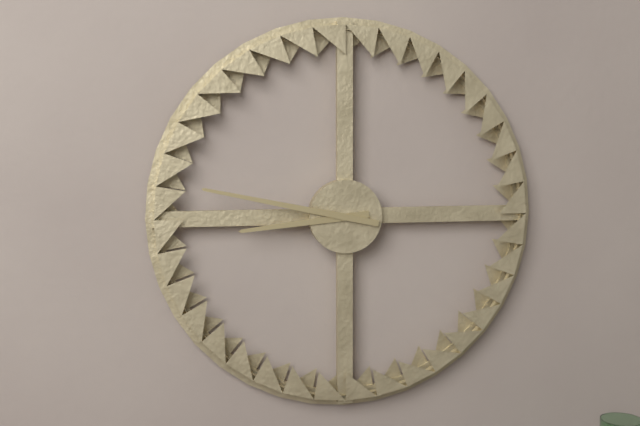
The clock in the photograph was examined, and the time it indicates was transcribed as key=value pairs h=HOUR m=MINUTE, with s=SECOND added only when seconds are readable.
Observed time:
h=8 m=47
